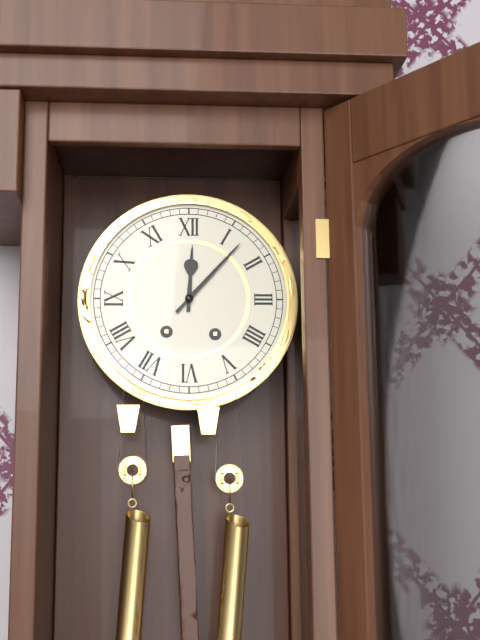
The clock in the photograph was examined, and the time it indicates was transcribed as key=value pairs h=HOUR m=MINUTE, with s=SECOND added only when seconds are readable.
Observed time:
h=12 m=7
